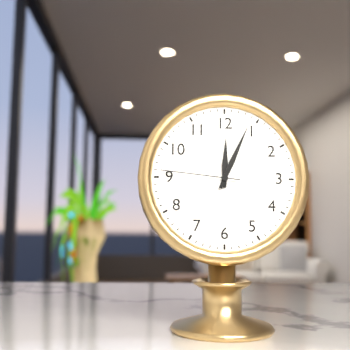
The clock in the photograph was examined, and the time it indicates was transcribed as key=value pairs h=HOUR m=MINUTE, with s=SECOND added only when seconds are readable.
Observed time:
h=12 m=4 s=46
